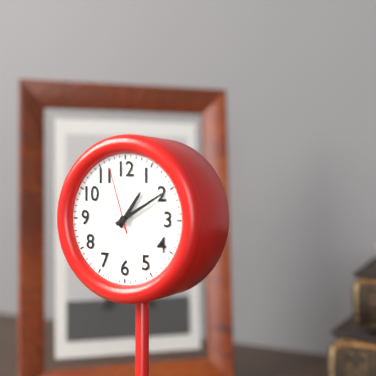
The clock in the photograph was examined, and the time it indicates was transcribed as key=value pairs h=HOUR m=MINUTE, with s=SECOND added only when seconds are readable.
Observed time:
h=1 m=10 s=57
